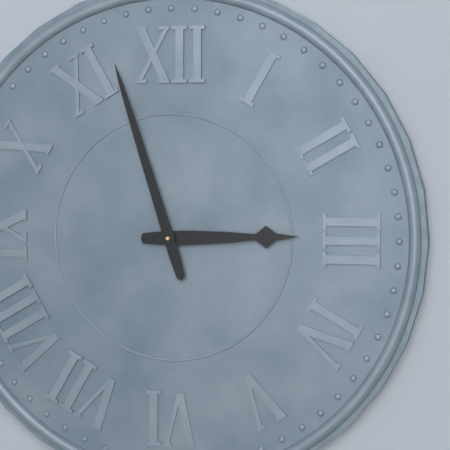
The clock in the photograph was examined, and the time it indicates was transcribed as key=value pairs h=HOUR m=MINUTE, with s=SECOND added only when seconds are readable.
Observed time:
h=2 m=57
